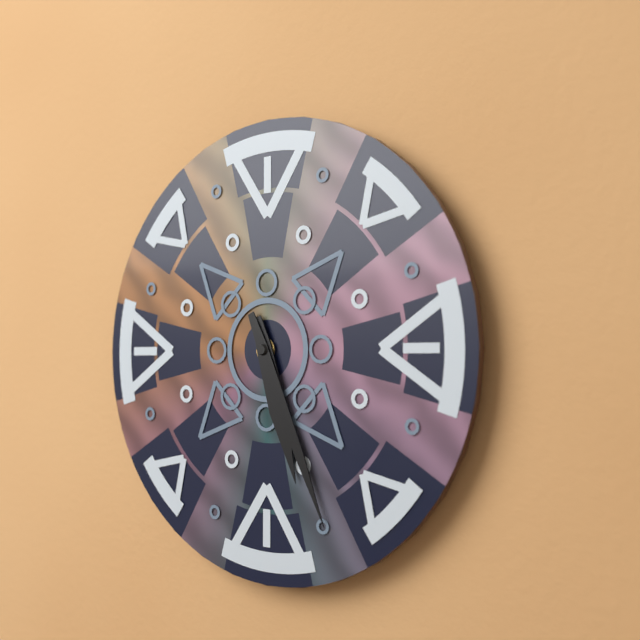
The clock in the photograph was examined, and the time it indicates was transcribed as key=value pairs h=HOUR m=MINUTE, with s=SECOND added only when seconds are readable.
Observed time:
h=5 m=26
